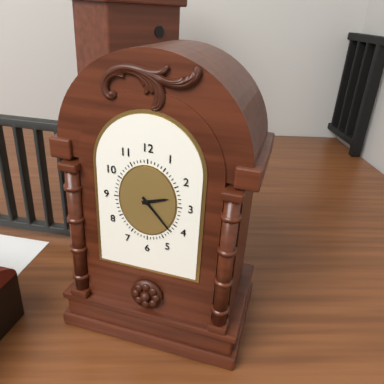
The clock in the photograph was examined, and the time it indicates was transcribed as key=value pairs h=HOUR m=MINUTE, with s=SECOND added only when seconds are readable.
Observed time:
h=2 m=23
